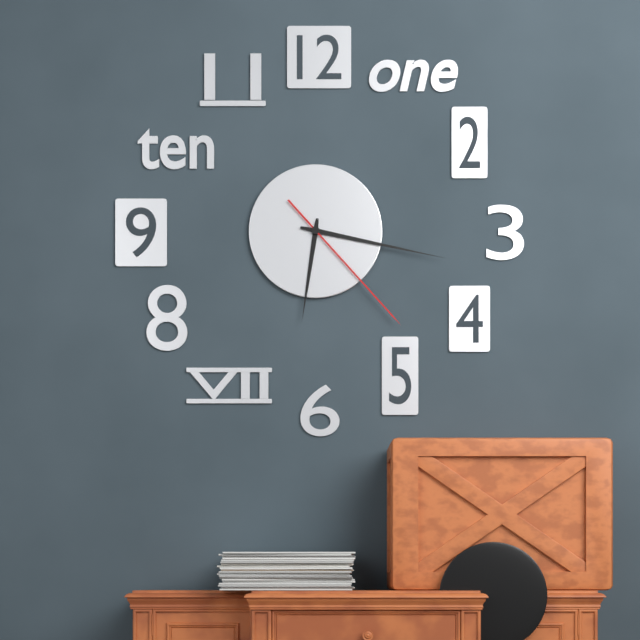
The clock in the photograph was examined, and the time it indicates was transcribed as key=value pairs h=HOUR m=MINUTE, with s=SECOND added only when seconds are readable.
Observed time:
h=6 m=17 s=23
